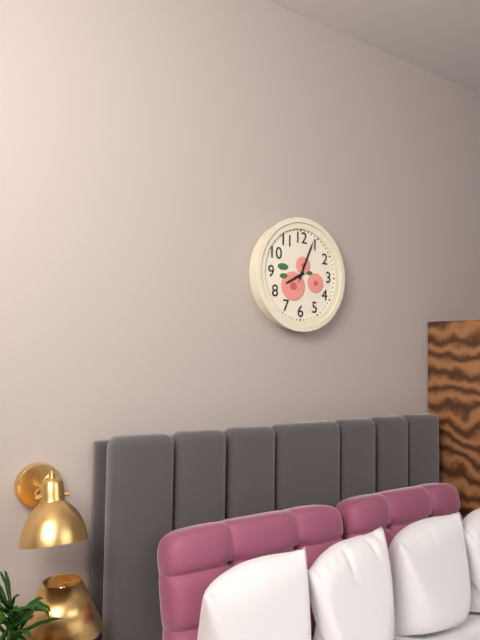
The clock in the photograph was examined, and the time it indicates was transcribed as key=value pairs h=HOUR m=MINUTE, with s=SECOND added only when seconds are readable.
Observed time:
h=8 m=4
